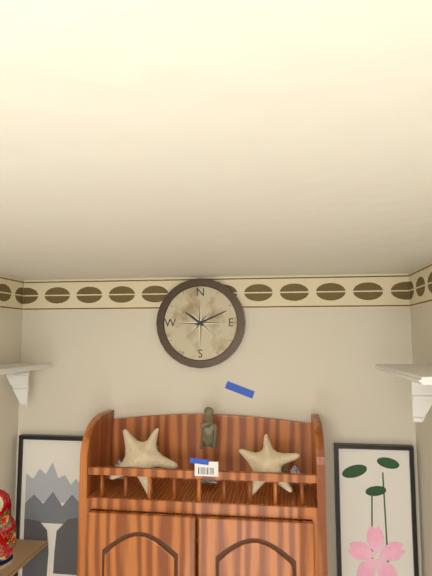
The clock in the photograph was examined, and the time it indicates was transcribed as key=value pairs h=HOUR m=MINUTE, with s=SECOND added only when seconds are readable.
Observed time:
h=10 m=11
